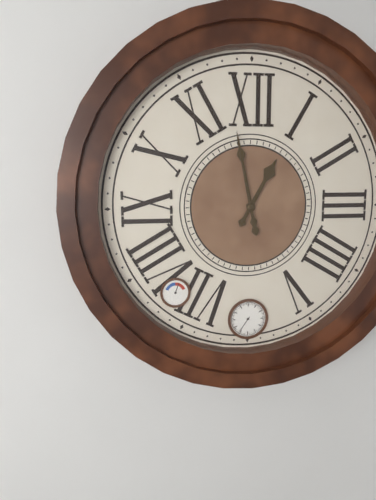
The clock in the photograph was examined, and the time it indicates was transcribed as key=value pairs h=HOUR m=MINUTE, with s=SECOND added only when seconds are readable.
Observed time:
h=12 m=58
